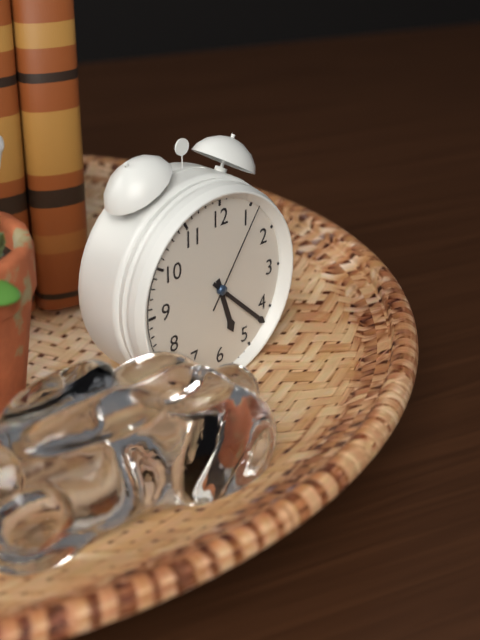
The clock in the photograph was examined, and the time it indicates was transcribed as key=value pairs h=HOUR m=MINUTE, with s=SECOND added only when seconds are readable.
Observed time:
h=5 m=22 s=6
